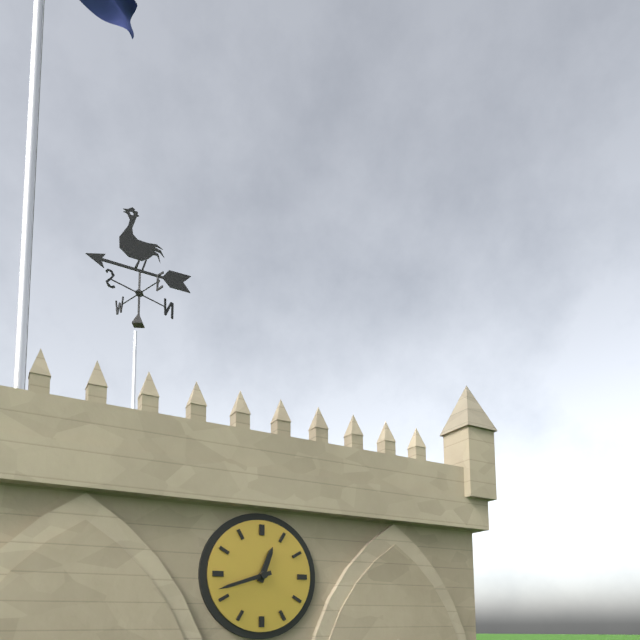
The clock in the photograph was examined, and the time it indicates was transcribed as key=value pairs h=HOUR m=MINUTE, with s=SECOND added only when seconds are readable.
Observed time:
h=12 m=42
